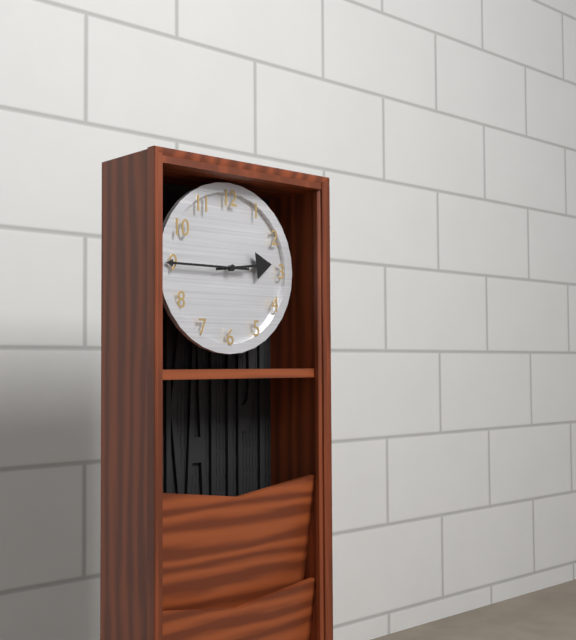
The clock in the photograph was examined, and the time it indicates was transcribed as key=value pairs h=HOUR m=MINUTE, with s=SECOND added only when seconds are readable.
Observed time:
h=2 m=45
